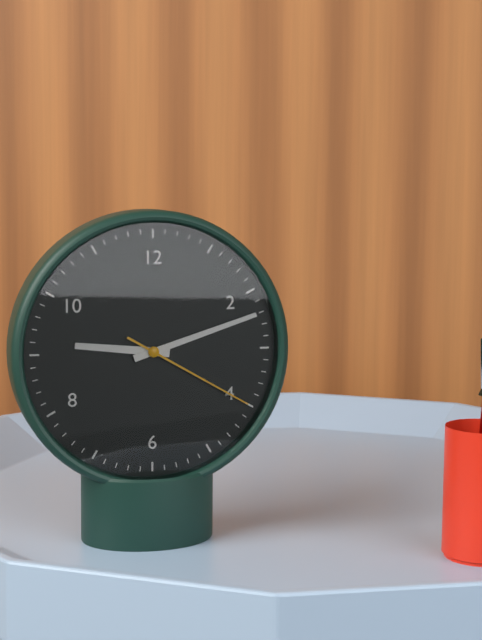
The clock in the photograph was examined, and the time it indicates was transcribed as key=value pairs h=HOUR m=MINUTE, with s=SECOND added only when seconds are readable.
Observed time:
h=9 m=12 s=20
